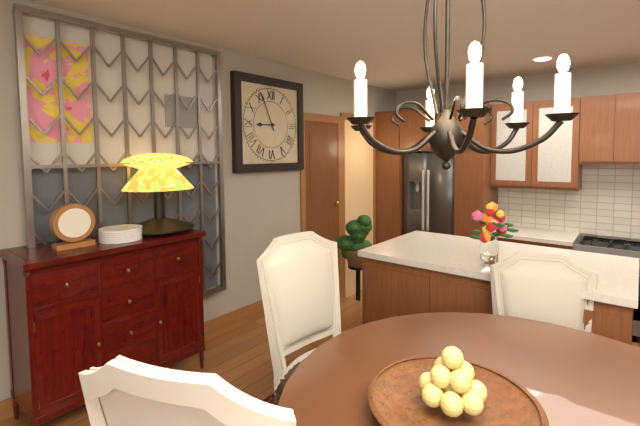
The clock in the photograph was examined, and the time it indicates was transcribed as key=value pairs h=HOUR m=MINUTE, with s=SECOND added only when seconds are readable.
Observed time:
h=8 m=56
